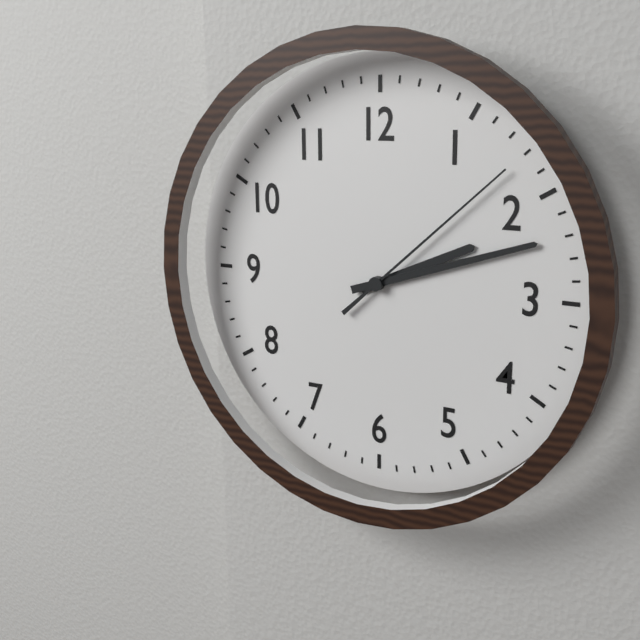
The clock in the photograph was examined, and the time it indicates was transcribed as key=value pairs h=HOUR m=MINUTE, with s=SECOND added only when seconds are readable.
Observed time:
h=2 m=12 s=8
